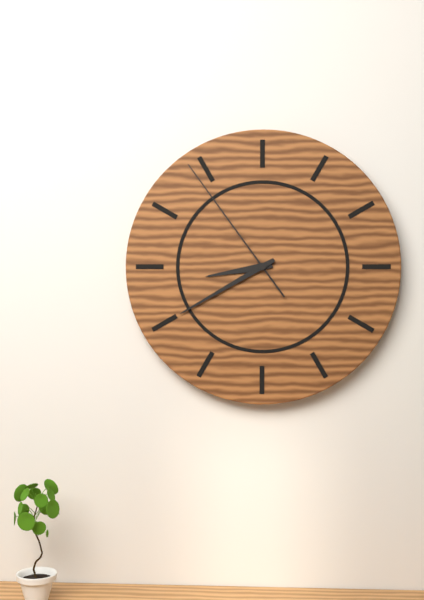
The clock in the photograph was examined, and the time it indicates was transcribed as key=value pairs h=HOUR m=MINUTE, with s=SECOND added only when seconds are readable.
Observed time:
h=8 m=40 s=54
